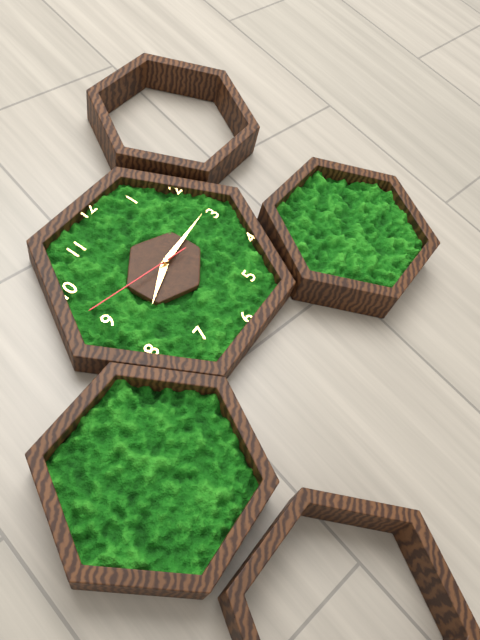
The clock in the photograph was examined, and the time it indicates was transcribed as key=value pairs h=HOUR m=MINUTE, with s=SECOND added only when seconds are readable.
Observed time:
h=8 m=14 s=47
